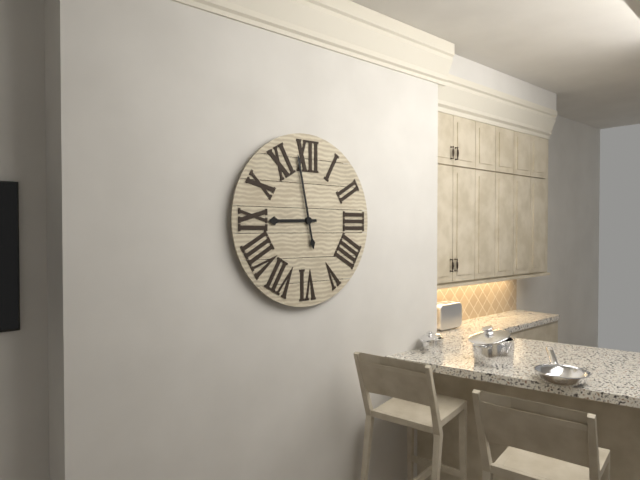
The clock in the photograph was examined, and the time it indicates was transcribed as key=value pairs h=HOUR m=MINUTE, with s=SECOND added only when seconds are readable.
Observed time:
h=8 m=58
